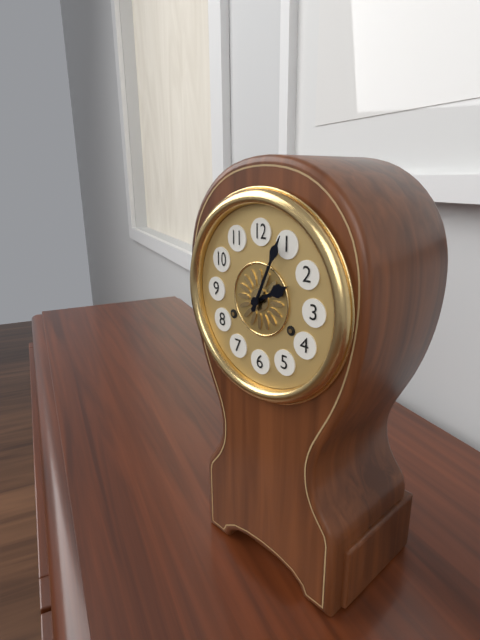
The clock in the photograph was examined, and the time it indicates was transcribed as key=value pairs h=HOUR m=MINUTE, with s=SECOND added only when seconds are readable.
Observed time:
h=2 m=4
